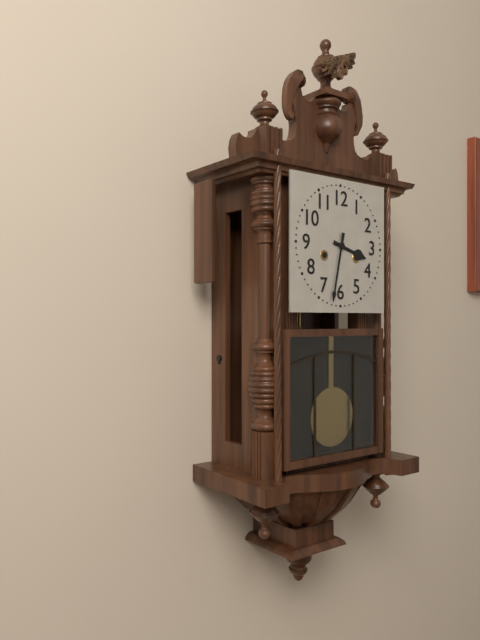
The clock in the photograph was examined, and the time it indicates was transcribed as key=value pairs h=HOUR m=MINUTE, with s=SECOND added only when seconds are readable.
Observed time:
h=3 m=32
